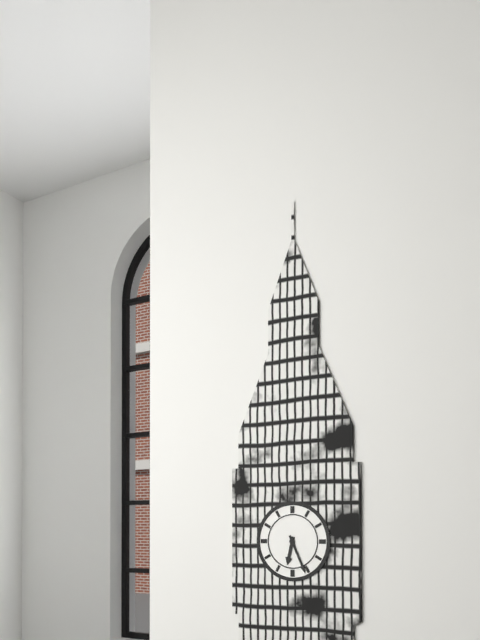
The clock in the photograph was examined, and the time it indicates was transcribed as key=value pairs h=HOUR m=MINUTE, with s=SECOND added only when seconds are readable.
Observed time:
h=6 m=26
